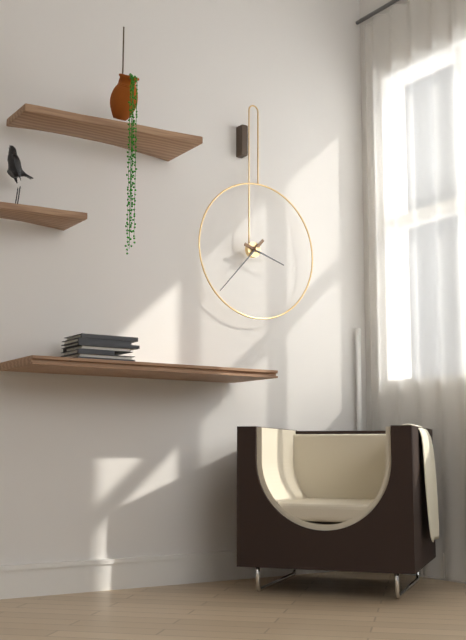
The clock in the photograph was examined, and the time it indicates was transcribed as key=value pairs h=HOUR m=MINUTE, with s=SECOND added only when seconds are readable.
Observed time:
h=3 m=37
